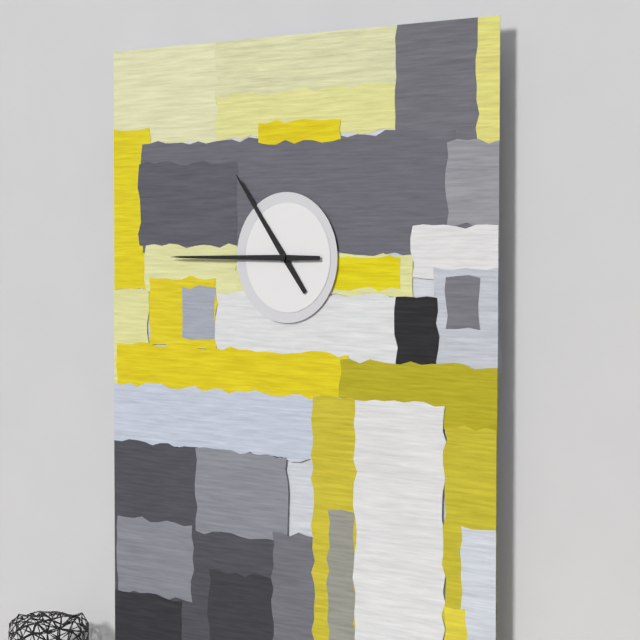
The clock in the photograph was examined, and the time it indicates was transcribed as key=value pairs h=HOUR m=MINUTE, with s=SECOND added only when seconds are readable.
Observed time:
h=10 m=45
